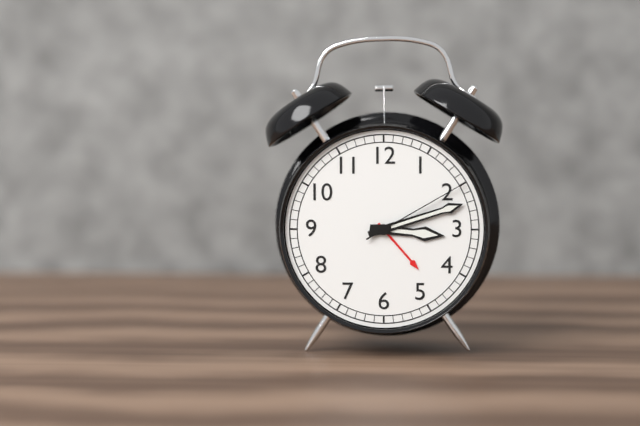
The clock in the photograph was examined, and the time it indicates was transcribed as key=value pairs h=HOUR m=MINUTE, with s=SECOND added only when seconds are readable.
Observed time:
h=3 m=12 s=10
